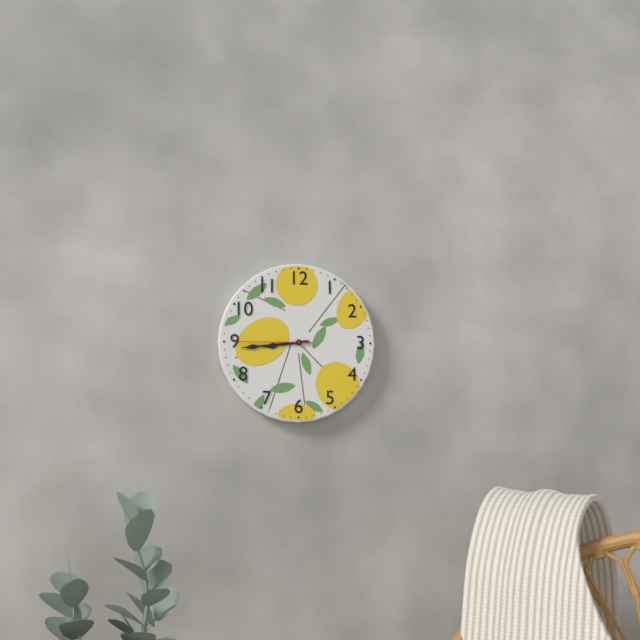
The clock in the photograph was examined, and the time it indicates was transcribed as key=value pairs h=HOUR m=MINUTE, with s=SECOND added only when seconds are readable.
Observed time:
h=8 m=44 s=45
